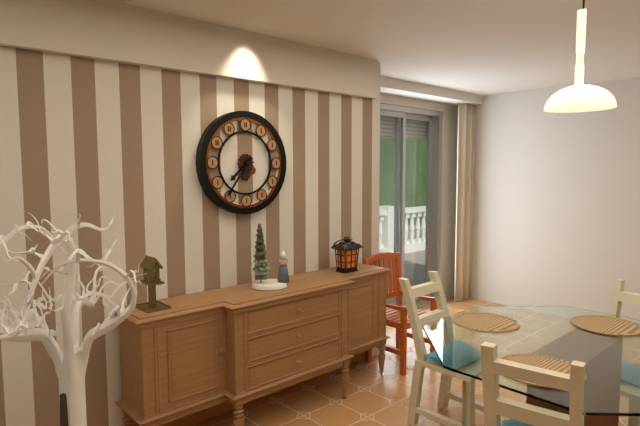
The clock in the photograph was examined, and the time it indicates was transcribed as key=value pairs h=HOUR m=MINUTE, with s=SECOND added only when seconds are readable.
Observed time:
h=7 m=36
